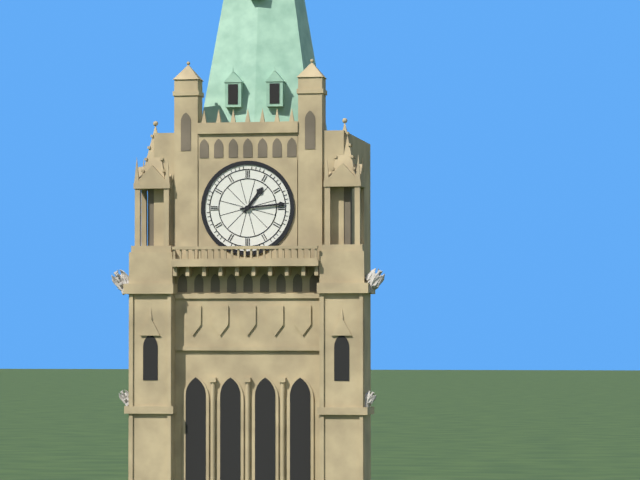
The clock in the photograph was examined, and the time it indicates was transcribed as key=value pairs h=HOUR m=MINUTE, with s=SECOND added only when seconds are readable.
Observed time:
h=1 m=14
